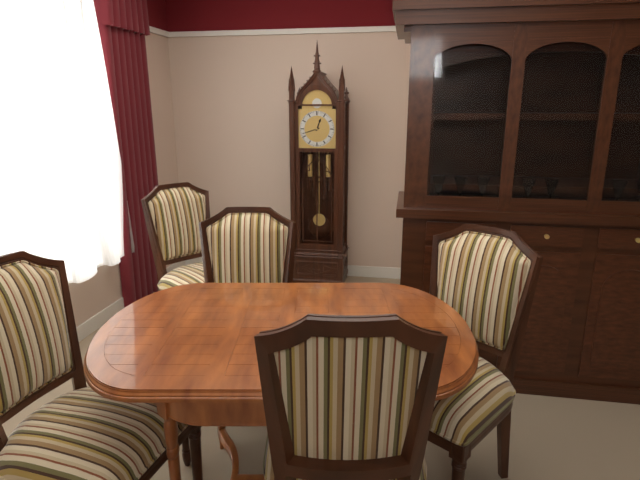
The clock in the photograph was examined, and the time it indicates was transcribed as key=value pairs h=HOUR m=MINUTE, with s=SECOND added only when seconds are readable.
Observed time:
h=12 m=42
